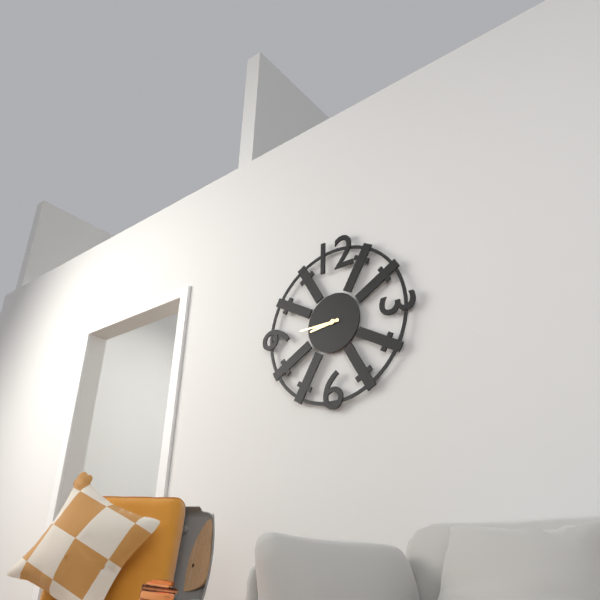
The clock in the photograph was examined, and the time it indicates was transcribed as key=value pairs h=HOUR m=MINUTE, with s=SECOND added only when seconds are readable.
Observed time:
h=8 m=45
